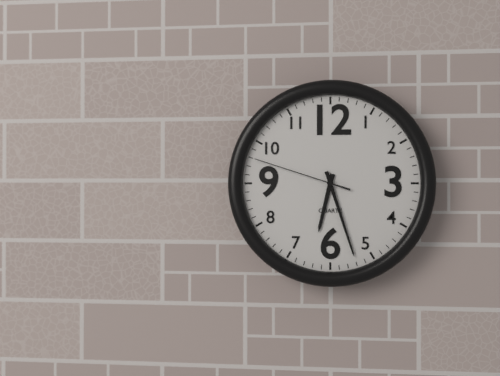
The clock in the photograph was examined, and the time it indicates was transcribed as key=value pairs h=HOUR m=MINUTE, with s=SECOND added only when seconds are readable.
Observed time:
h=6 m=27 s=48
